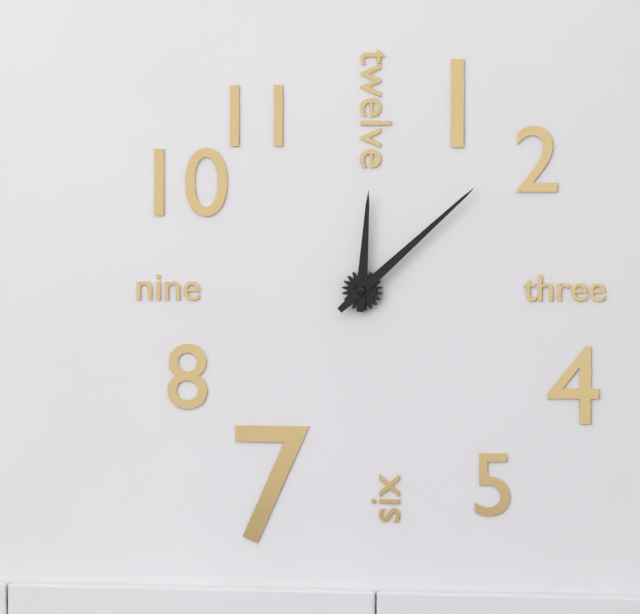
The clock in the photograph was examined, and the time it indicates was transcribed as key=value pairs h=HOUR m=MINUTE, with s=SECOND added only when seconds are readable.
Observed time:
h=12 m=8
